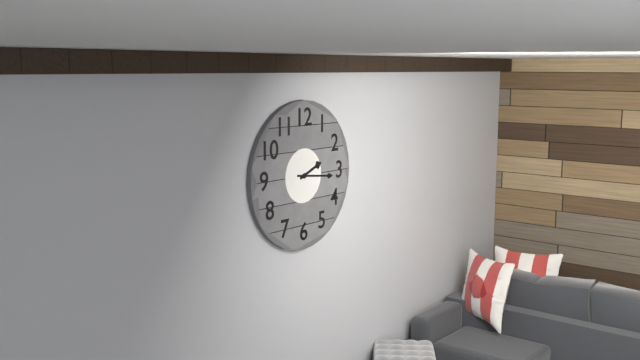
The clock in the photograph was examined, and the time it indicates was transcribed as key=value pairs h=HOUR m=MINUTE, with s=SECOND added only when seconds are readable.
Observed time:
h=2 m=16
